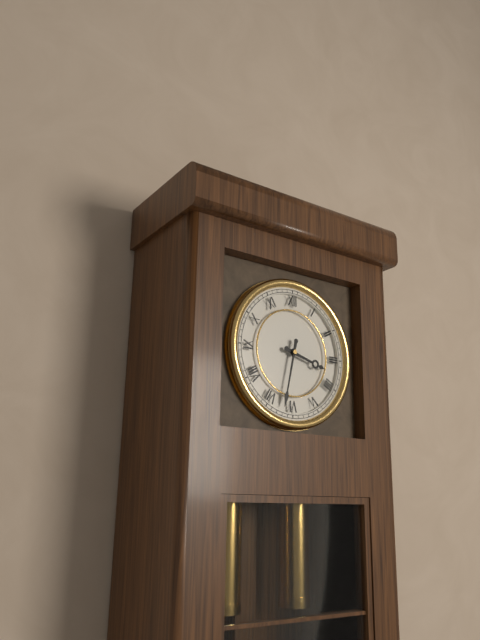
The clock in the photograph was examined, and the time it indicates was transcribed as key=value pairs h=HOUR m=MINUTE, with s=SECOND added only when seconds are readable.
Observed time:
h=3 m=32
